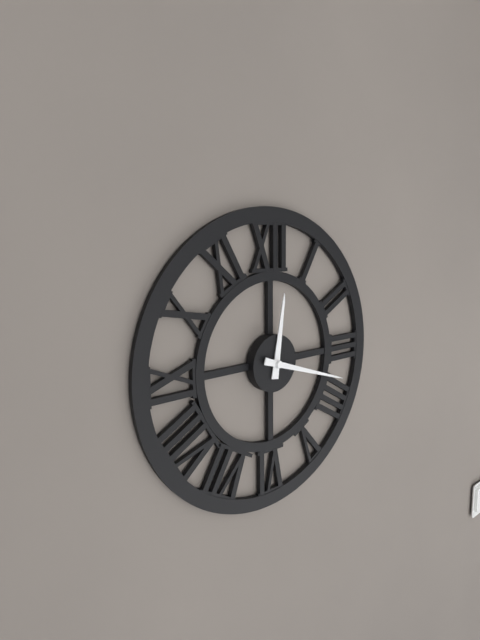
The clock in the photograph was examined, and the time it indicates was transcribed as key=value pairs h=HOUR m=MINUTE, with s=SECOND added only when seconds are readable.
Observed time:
h=12 m=18
